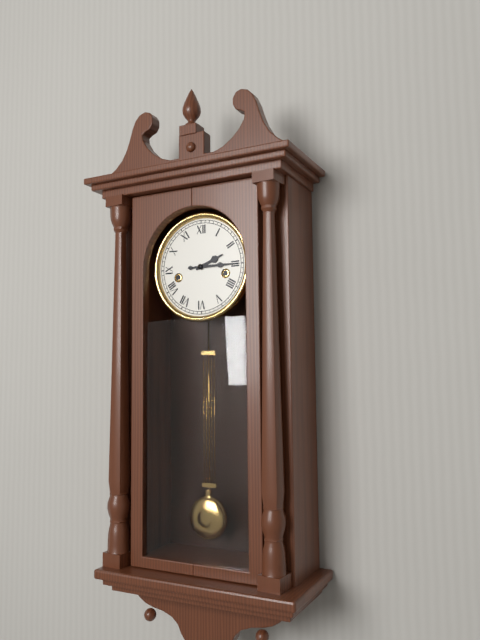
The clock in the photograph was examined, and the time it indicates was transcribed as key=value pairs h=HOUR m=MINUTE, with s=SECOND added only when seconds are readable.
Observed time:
h=2 m=15
